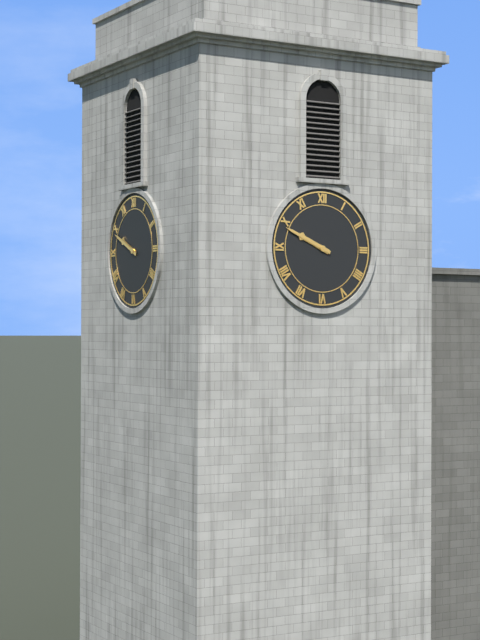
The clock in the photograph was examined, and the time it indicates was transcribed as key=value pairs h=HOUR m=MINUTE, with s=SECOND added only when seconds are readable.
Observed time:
h=9 m=49
